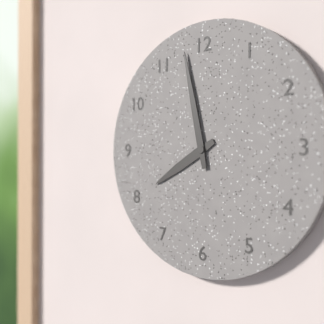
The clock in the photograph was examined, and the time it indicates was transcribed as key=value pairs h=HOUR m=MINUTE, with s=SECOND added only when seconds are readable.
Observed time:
h=7 m=58
